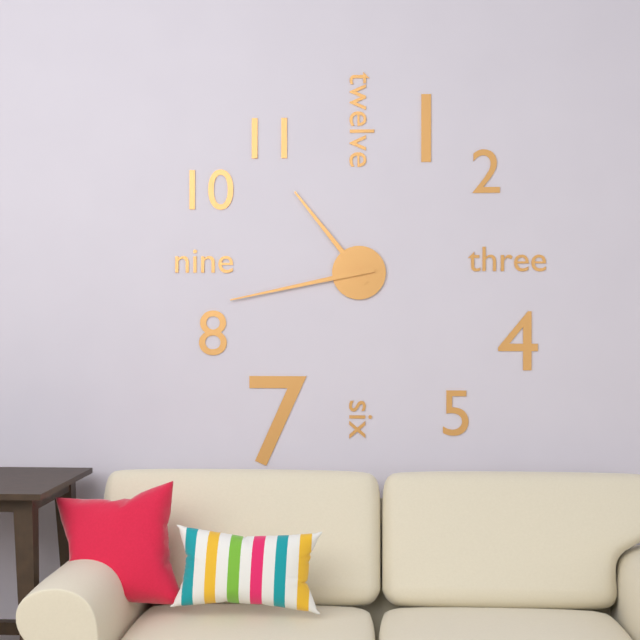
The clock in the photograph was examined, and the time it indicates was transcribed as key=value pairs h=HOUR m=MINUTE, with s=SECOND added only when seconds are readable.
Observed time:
h=10 m=43
